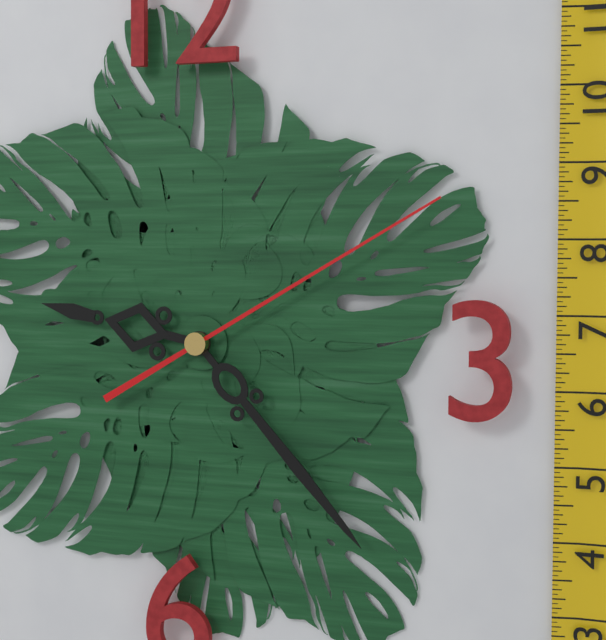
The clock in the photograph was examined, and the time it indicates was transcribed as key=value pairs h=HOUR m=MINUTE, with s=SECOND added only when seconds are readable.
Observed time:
h=9 m=23 s=10
